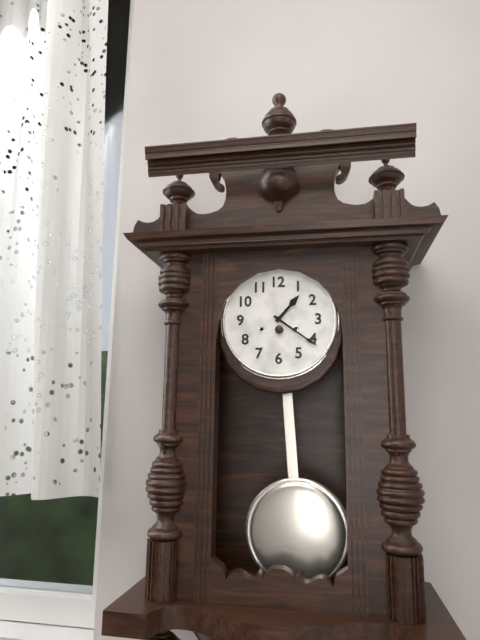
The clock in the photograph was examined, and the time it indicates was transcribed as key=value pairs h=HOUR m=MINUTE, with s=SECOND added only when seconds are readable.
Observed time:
h=1 m=21
